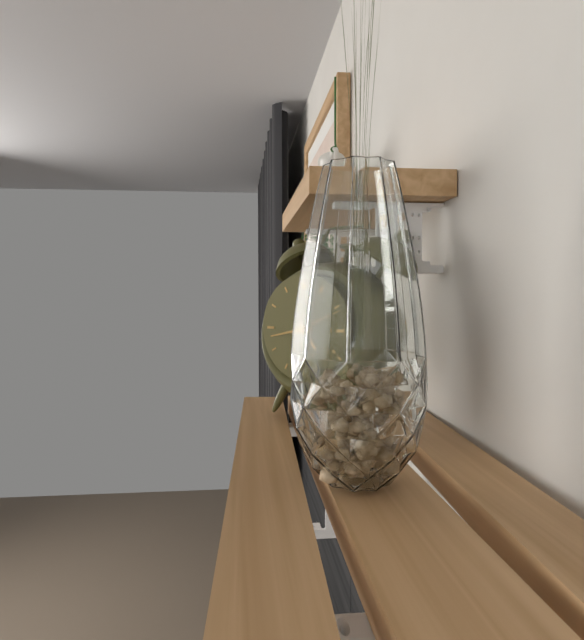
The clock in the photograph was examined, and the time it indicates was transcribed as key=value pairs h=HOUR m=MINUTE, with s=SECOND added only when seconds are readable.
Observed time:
h=4 m=43
